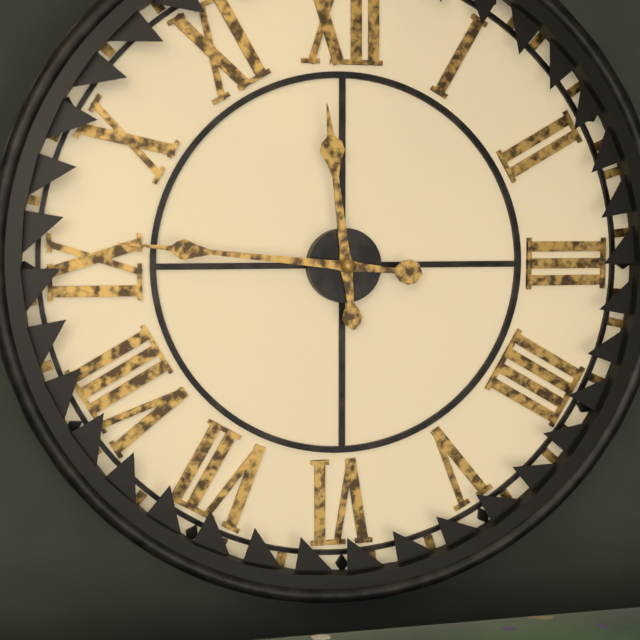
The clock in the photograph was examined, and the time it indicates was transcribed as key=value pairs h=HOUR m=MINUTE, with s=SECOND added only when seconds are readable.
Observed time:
h=11 m=46
